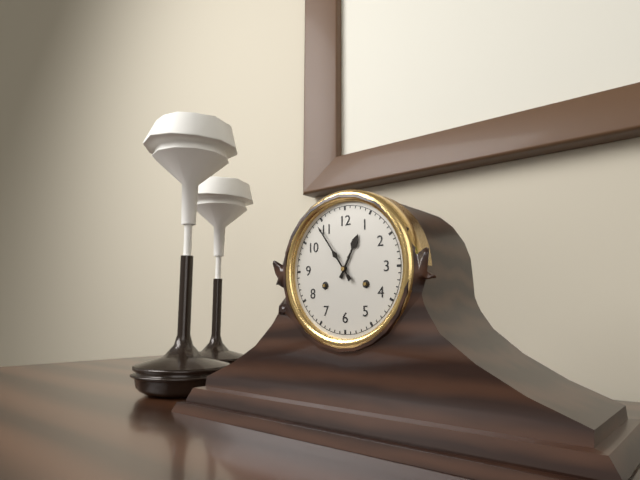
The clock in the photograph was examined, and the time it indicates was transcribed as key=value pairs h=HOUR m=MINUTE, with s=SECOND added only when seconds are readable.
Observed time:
h=12 m=54
